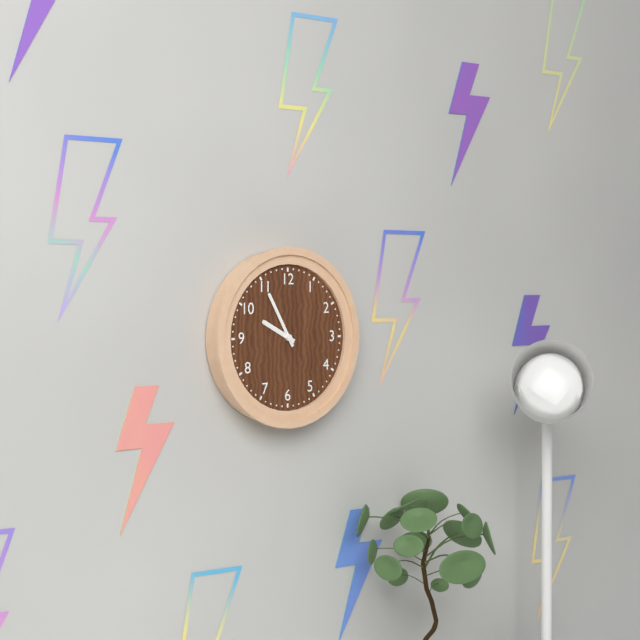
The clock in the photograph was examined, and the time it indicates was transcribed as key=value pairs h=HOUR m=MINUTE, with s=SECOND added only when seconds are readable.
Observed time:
h=9 m=55
